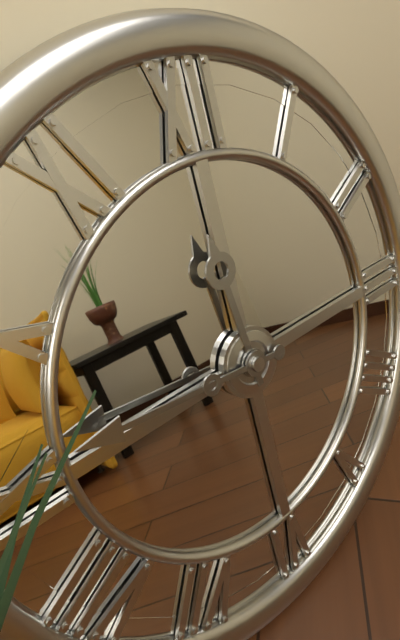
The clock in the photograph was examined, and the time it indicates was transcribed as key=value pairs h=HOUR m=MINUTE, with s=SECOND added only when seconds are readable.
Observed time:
h=11 m=46
